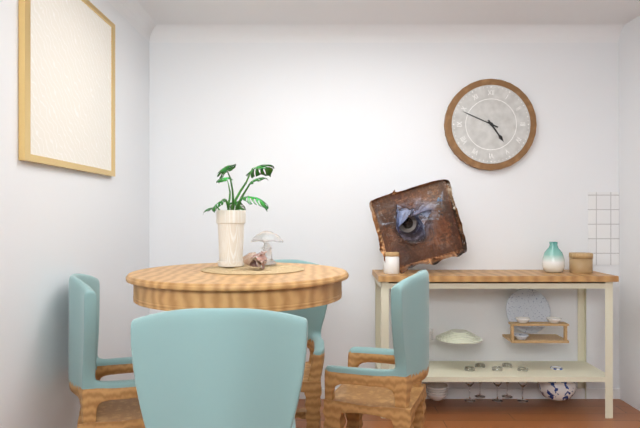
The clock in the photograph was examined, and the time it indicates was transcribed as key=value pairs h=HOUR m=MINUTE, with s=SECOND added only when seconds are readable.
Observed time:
h=4 m=49
